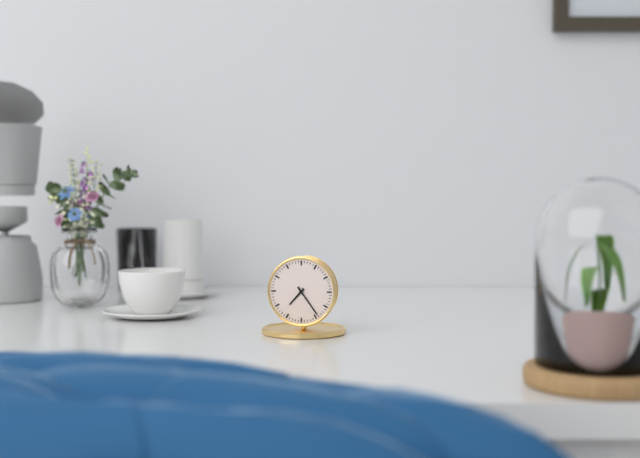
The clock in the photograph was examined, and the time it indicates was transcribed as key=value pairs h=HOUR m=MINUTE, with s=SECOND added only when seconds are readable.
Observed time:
h=7 m=24
